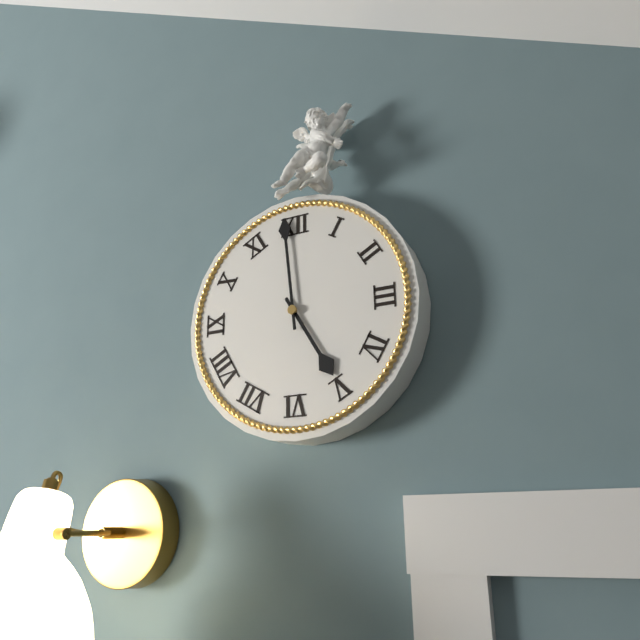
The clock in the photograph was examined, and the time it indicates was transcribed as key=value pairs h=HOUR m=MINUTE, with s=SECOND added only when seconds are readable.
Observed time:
h=4 m=59
